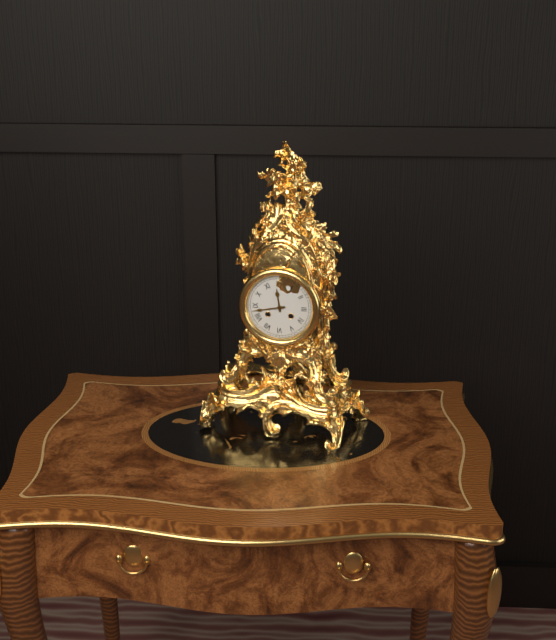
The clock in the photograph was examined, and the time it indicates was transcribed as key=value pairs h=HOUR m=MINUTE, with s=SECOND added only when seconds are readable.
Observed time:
h=11 m=43
